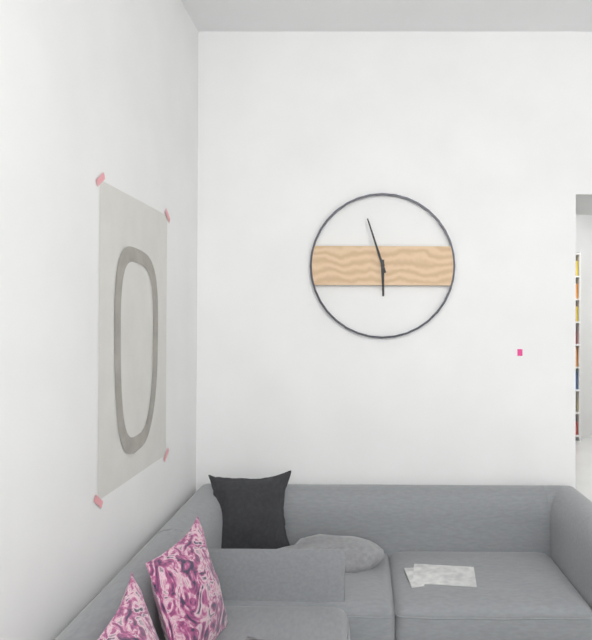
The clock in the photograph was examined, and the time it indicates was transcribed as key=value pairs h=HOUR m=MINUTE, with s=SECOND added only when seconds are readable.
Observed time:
h=5 m=57
